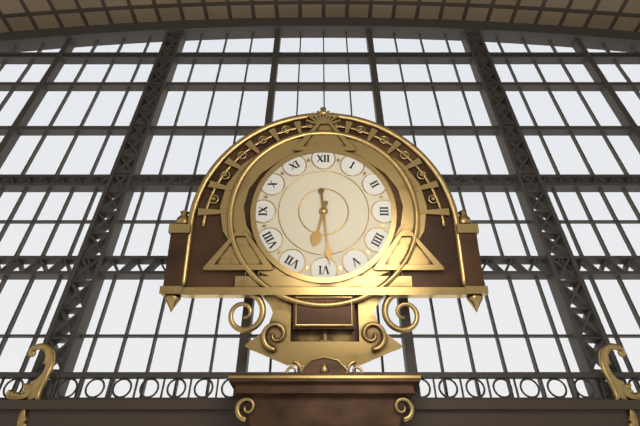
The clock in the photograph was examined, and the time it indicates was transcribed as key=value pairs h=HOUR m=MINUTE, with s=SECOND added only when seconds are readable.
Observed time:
h=6 m=29
